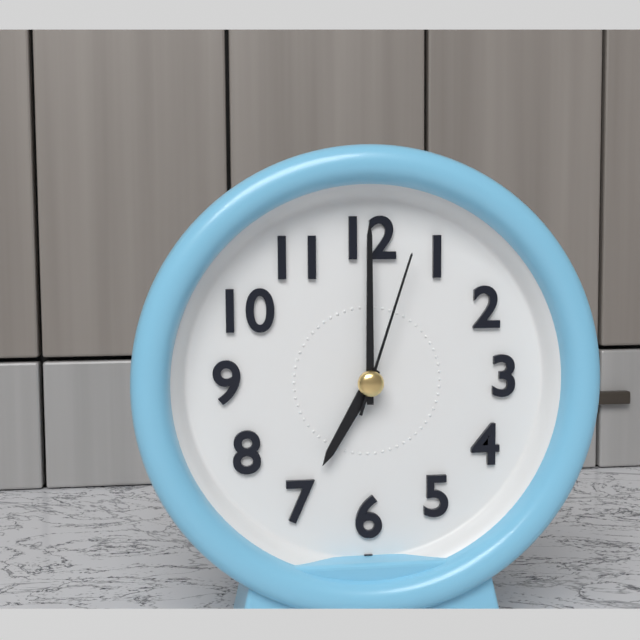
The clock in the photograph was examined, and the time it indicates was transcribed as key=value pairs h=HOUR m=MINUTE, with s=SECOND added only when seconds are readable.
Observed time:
h=7 m=0 s=3
